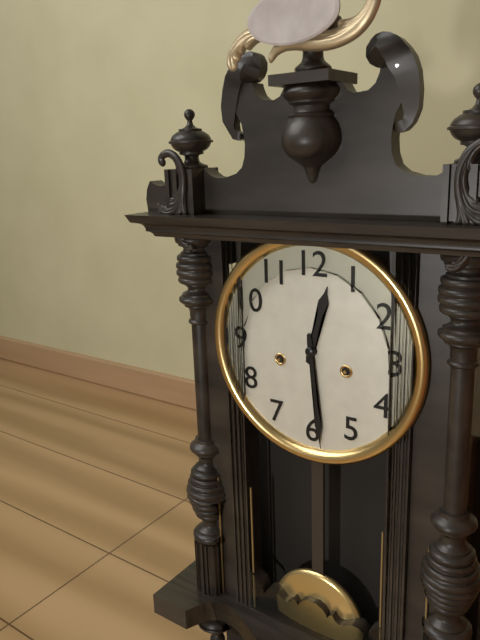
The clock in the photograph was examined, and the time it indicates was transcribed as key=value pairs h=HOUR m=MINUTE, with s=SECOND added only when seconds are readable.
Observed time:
h=12 m=29
